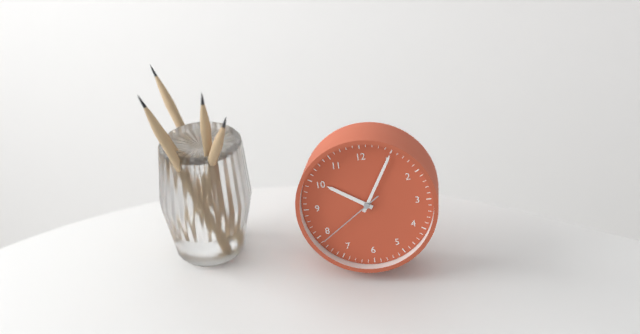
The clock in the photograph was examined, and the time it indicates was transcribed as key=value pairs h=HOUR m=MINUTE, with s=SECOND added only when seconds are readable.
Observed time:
h=10 m=5 s=39
